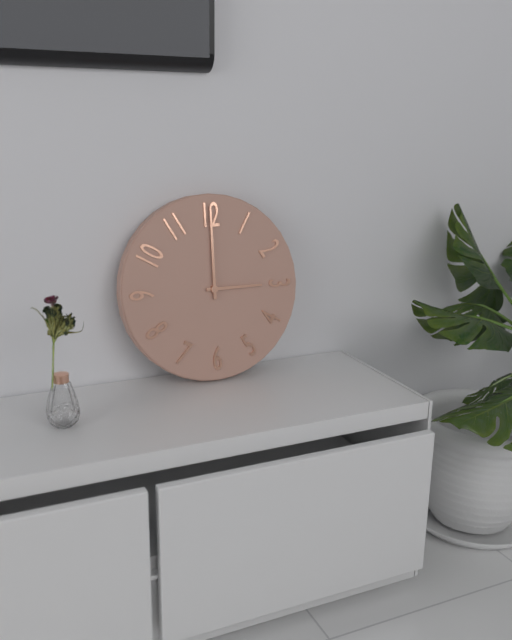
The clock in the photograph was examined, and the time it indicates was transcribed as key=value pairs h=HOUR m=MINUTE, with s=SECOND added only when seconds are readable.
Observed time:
h=3 m=0
